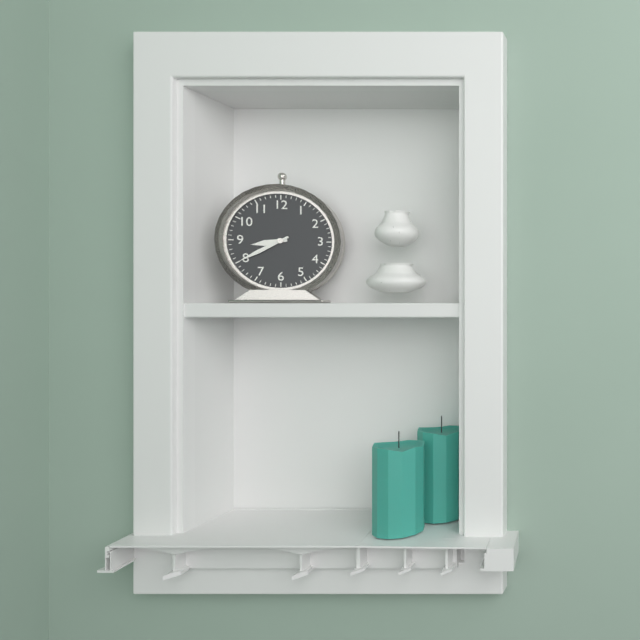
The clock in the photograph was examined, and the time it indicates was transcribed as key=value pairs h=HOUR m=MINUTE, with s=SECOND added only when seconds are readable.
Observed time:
h=8 m=40
